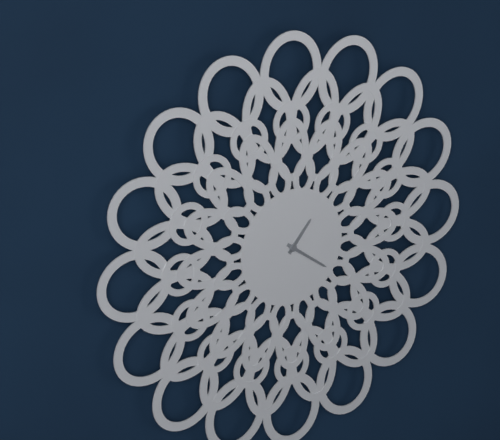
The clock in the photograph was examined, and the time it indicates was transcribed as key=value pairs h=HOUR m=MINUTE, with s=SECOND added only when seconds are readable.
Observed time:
h=1 m=21
